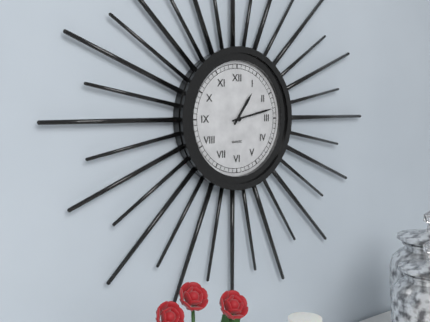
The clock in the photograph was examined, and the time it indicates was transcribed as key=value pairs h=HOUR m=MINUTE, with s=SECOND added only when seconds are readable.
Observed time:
h=1 m=13
